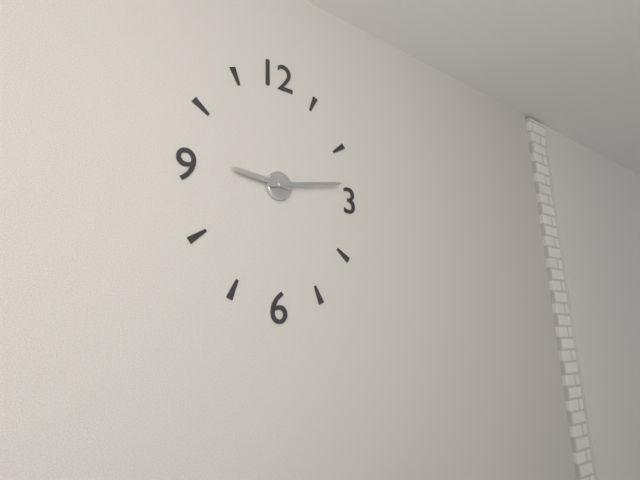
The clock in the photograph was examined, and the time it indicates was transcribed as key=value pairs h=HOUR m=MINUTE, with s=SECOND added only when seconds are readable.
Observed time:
h=9 m=13
